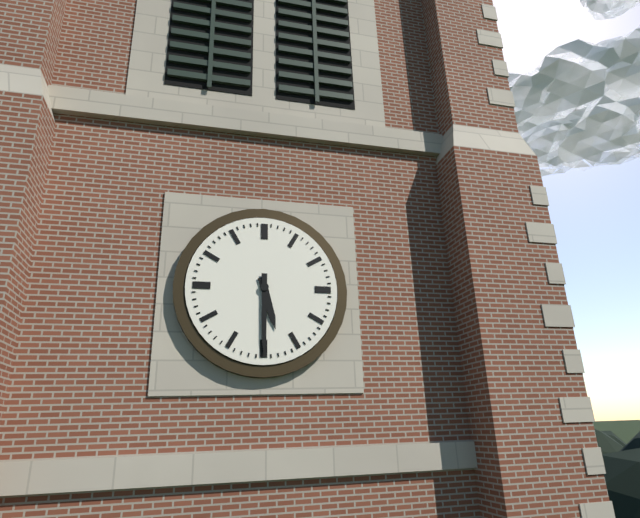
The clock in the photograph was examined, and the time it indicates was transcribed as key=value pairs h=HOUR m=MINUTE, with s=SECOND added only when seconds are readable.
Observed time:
h=5 m=30
